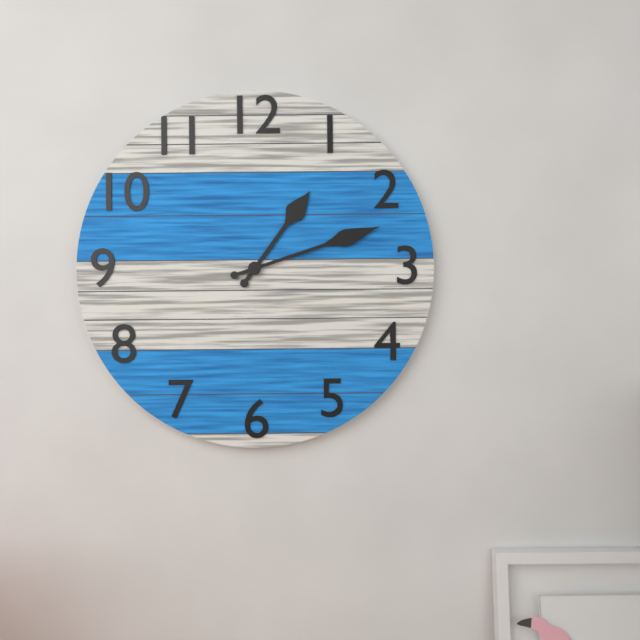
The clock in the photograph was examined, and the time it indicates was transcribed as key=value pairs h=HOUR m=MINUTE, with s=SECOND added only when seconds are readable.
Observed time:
h=1 m=12
